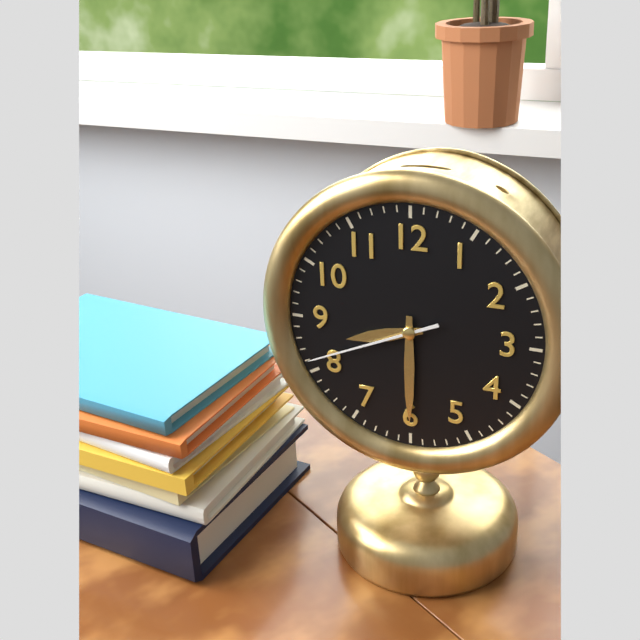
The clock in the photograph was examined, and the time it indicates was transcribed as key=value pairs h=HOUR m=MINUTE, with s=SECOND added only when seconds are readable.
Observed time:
h=8 m=30 s=41
